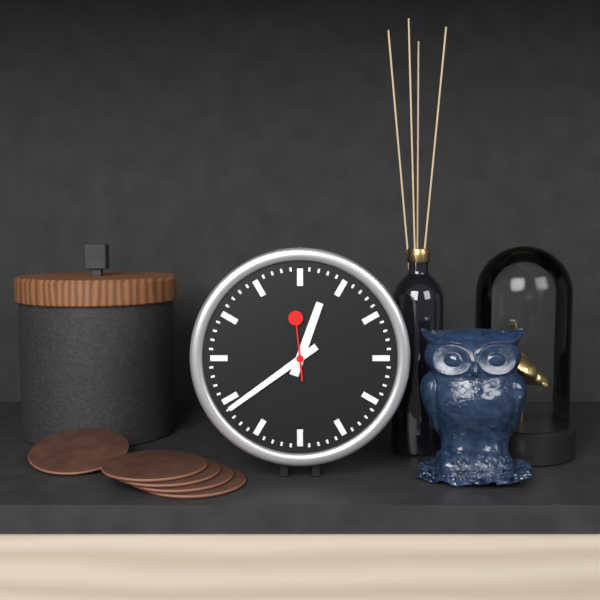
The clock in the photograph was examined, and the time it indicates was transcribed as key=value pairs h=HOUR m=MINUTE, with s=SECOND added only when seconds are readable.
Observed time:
h=12 m=39 s=59
